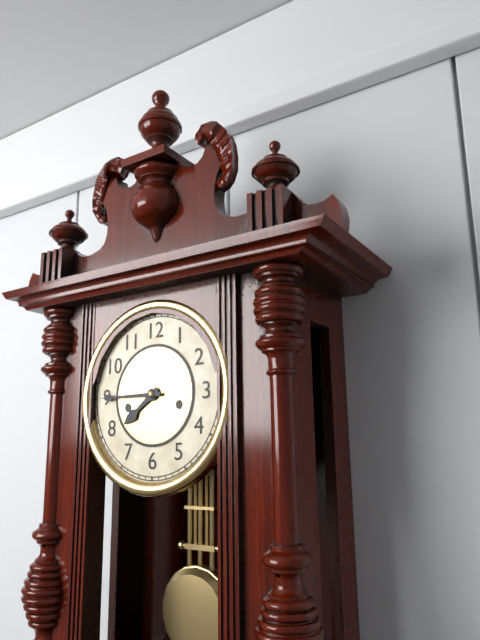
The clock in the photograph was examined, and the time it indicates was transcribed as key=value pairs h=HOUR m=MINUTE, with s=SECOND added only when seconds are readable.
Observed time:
h=7 m=45
